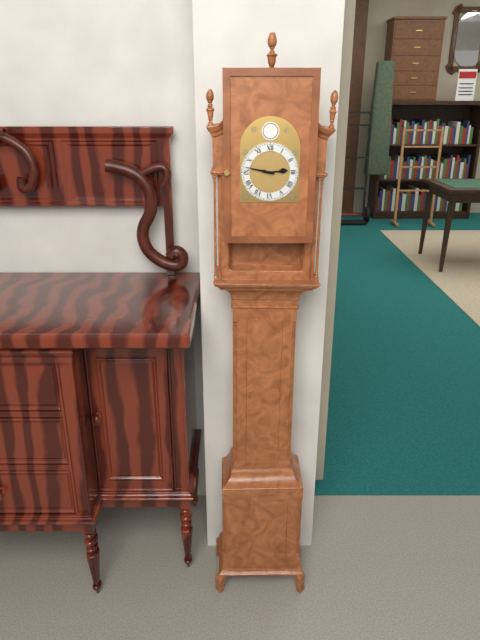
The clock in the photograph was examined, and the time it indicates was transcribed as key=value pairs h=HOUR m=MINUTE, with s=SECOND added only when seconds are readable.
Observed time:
h=2 m=47
